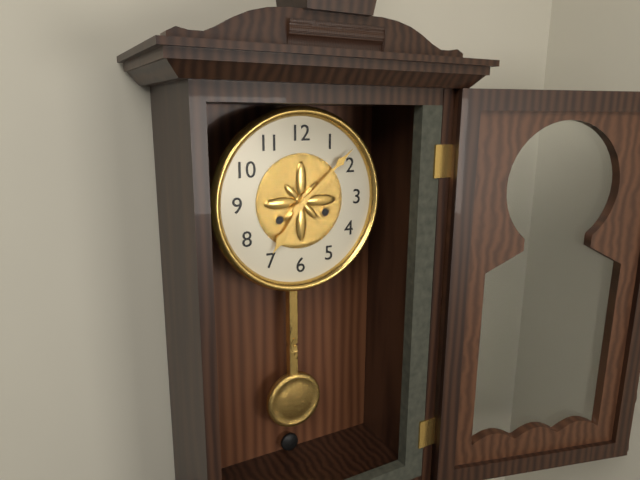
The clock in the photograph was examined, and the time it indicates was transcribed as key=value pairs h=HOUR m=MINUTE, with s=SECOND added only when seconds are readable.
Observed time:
h=7 m=8
